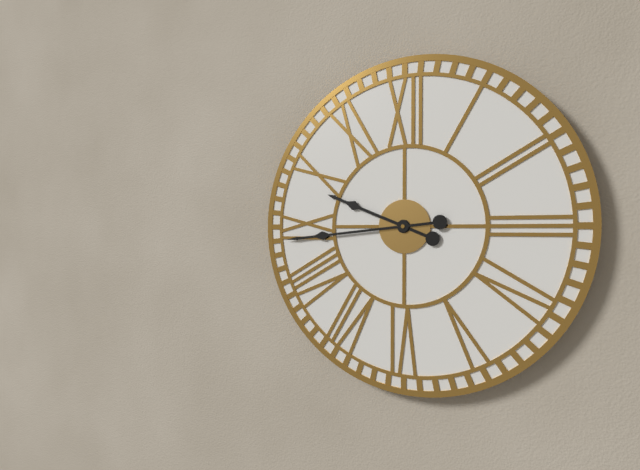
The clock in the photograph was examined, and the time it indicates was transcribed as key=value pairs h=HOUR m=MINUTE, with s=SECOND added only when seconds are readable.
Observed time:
h=9 m=44
